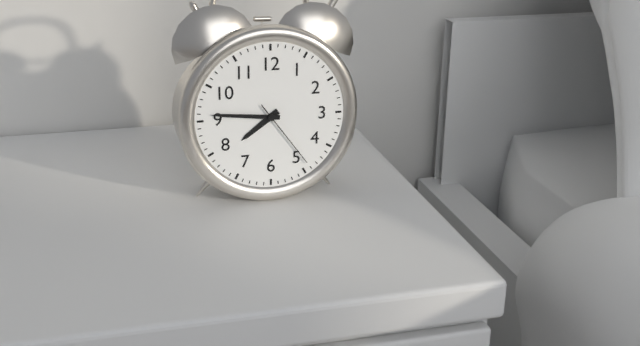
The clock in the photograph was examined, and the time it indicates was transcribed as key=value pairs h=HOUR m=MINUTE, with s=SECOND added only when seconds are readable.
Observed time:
h=7 m=46 s=24
